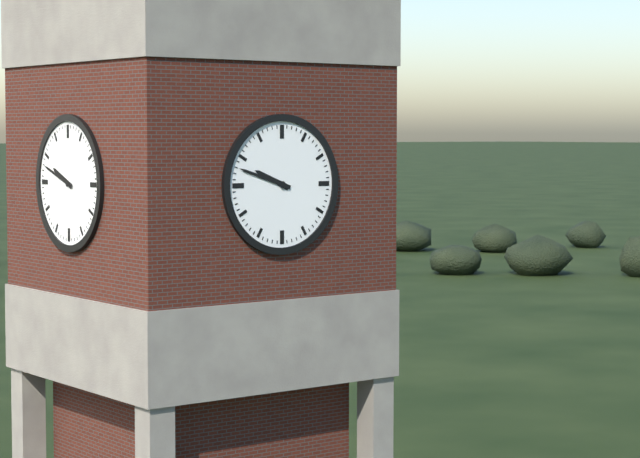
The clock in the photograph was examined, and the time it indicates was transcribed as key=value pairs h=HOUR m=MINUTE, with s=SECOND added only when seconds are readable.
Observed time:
h=9 m=48
